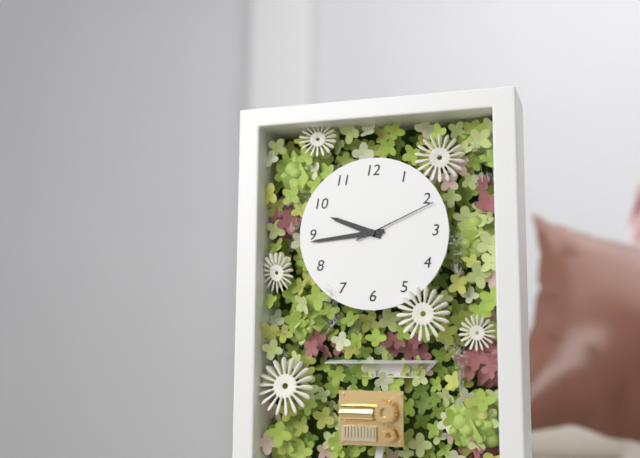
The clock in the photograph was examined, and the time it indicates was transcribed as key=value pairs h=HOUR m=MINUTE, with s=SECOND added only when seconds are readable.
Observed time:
h=9 m=44 s=11
